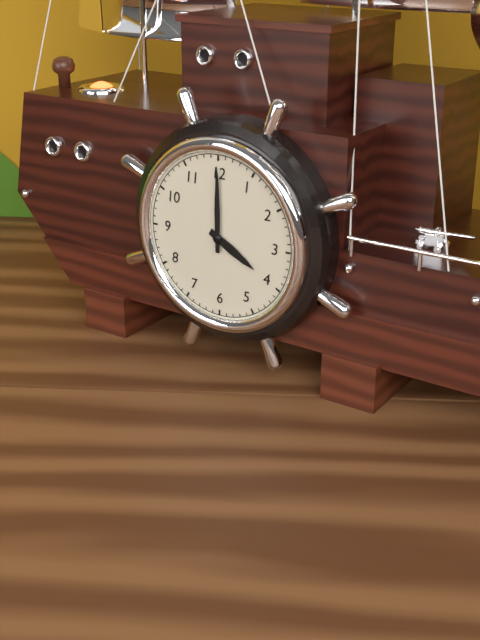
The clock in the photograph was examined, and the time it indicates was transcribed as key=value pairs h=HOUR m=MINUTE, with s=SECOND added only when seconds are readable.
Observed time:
h=4 m=0
